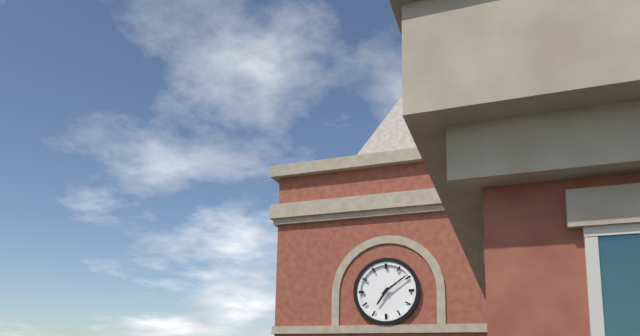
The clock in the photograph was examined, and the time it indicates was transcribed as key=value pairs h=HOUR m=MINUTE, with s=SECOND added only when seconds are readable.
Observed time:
h=7 m=9
